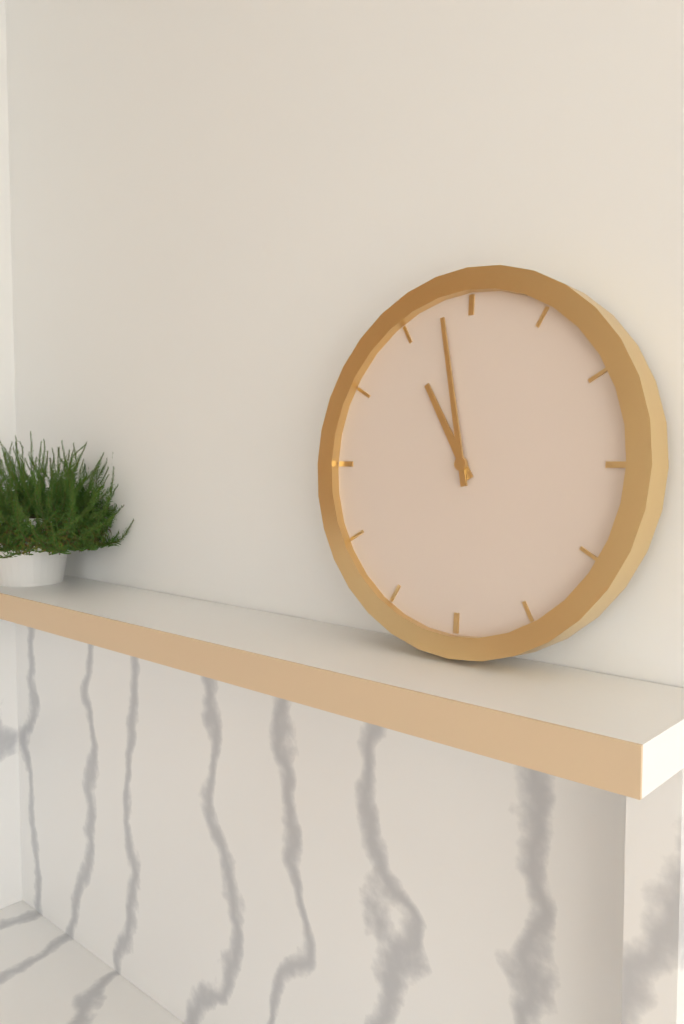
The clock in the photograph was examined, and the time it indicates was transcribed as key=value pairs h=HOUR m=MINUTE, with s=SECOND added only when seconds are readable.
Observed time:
h=10 m=58
